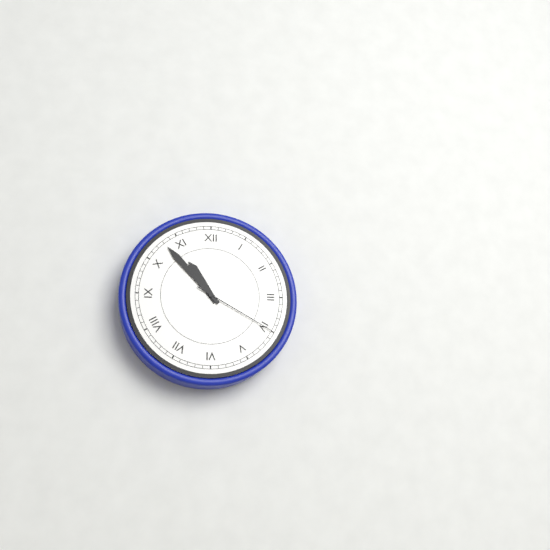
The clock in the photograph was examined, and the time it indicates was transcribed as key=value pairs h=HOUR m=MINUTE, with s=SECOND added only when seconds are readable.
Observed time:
h=10 m=53 s=20
